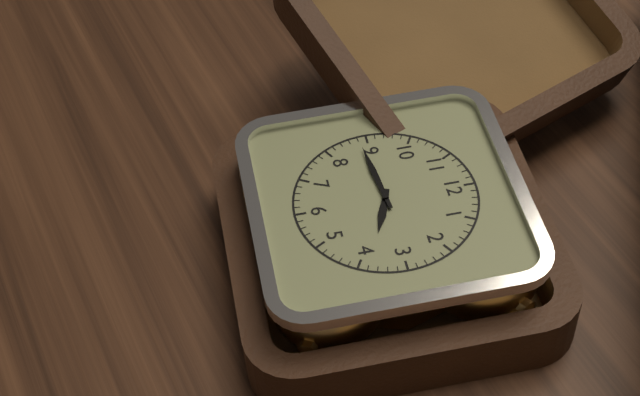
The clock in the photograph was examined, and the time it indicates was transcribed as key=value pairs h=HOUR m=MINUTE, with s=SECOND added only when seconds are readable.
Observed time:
h=3 m=44
